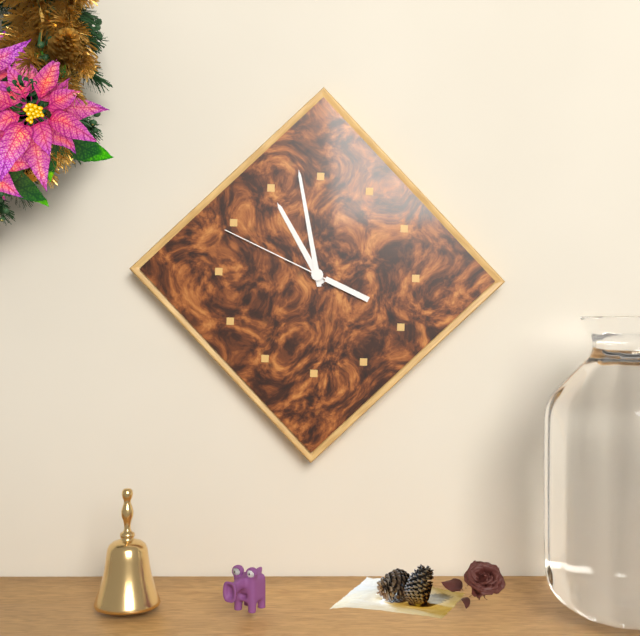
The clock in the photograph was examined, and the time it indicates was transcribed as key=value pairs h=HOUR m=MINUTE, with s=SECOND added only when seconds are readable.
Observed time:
h=10 m=58 s=49
